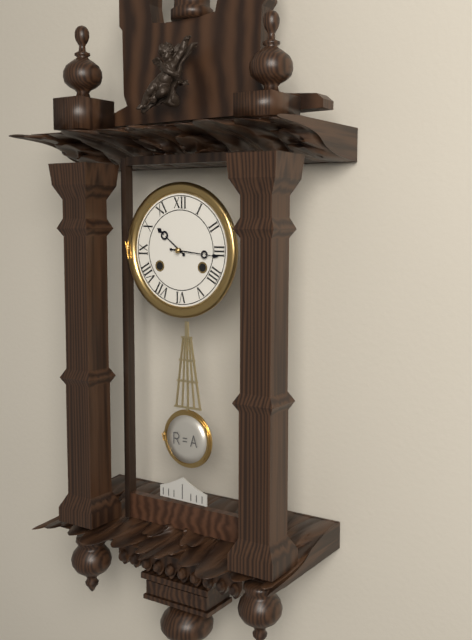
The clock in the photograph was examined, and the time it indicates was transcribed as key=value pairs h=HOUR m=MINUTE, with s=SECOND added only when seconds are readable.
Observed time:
h=10 m=16
